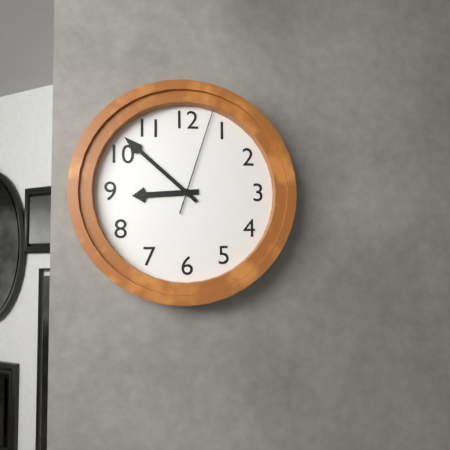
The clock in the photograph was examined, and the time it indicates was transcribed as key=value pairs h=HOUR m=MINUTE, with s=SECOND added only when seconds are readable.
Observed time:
h=8 m=52 s=3
